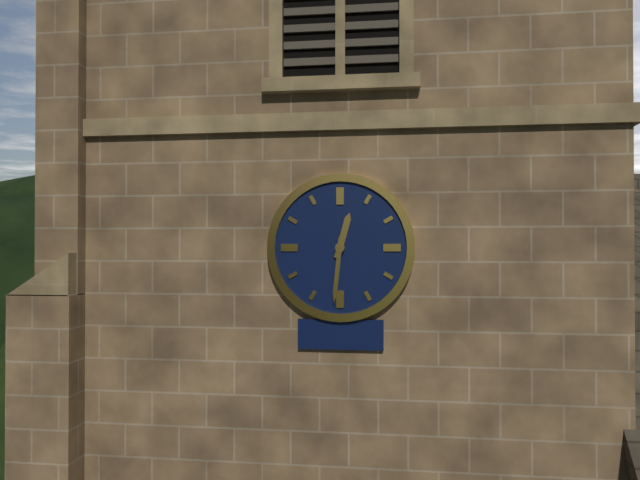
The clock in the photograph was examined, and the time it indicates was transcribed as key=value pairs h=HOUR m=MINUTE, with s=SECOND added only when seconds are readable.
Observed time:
h=12 m=31
